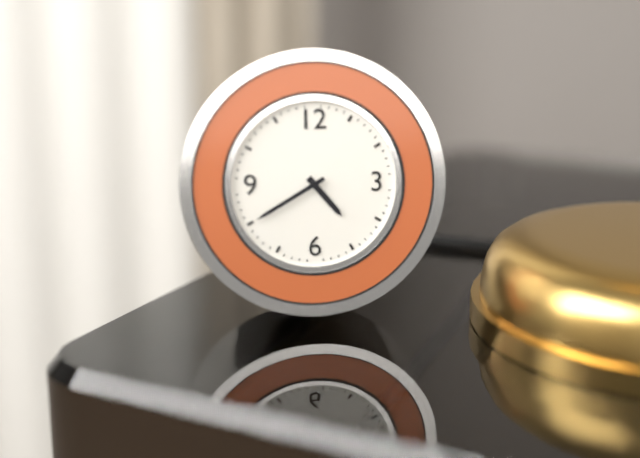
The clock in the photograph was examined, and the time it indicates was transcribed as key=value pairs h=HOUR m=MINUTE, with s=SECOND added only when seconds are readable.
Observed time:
h=4 m=40
